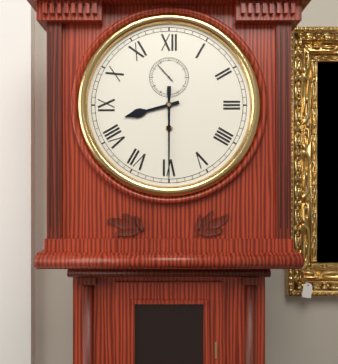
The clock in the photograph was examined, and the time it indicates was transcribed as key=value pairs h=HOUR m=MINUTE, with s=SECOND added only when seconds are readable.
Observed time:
h=8 m=30
